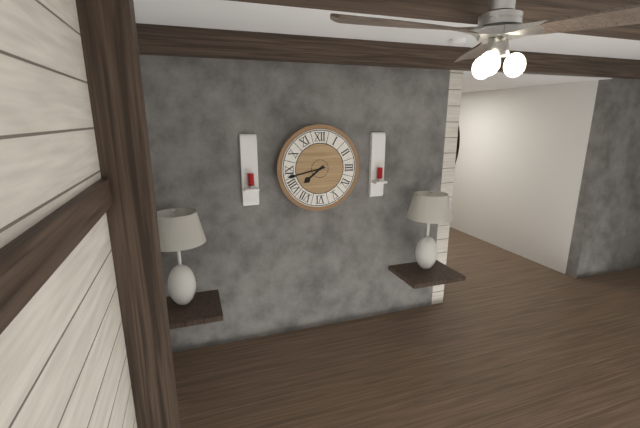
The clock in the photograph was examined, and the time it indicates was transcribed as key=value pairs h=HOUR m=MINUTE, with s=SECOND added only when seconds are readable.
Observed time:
h=7 m=43
